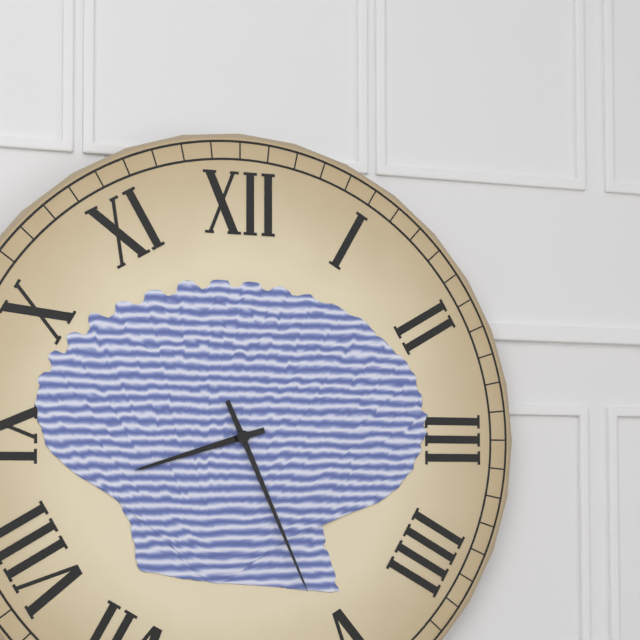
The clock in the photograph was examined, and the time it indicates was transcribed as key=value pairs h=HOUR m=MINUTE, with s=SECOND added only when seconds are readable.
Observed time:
h=8 m=26
